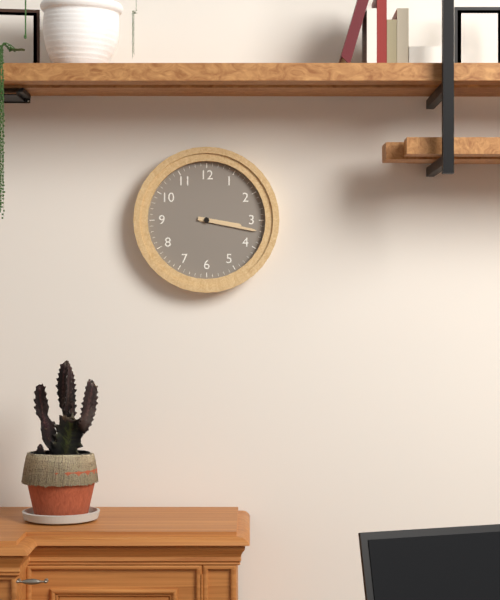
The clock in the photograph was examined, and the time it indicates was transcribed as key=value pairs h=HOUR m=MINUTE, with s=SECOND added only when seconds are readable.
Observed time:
h=3 m=17
